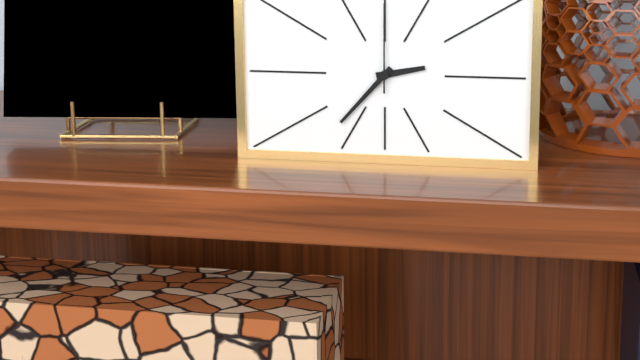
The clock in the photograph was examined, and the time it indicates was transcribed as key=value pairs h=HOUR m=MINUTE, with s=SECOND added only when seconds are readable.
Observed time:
h=2 m=37 s=0
